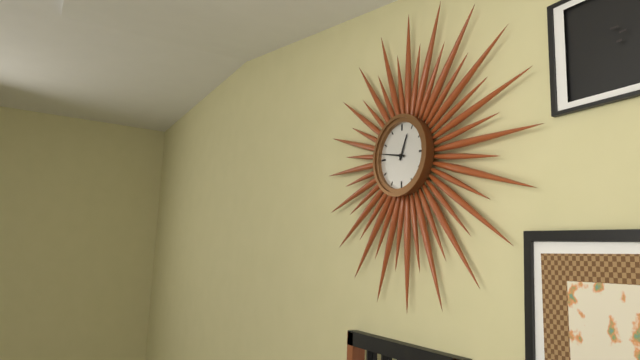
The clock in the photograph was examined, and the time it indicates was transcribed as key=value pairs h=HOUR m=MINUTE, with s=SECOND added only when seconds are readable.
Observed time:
h=12 m=47
